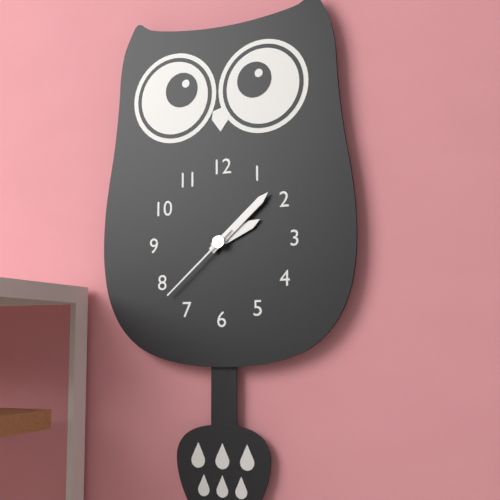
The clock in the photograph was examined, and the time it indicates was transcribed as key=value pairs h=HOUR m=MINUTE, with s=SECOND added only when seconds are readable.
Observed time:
h=2 m=8 s=38
